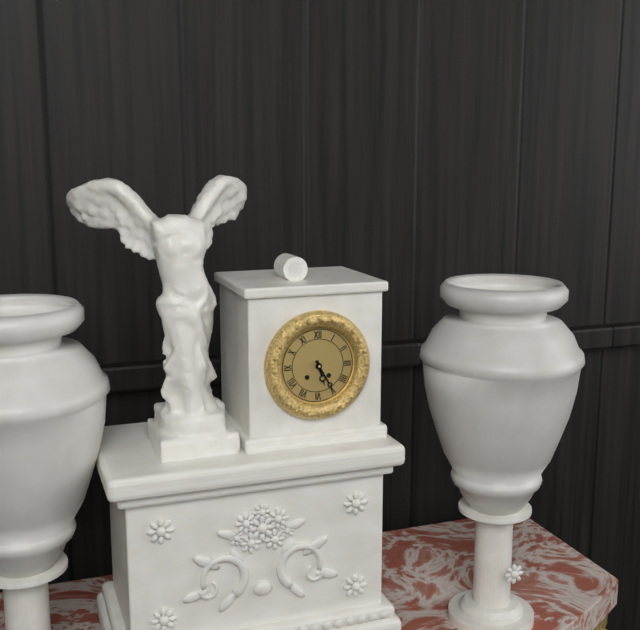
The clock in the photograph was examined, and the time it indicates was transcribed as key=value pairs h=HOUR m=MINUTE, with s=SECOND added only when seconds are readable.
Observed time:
h=5 m=25
